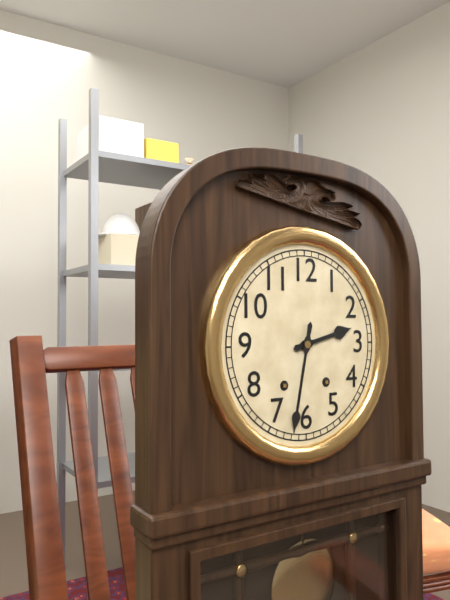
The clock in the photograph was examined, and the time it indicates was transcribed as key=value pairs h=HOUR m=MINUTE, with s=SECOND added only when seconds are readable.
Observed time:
h=2 m=32
